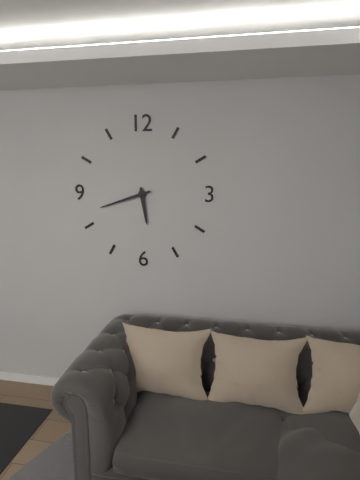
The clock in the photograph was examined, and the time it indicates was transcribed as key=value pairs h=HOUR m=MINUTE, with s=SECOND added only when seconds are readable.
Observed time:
h=5 m=42
